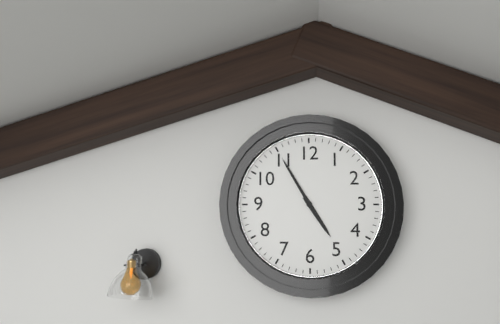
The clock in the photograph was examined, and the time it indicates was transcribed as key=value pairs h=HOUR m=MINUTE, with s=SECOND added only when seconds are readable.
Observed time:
h=4 m=55
